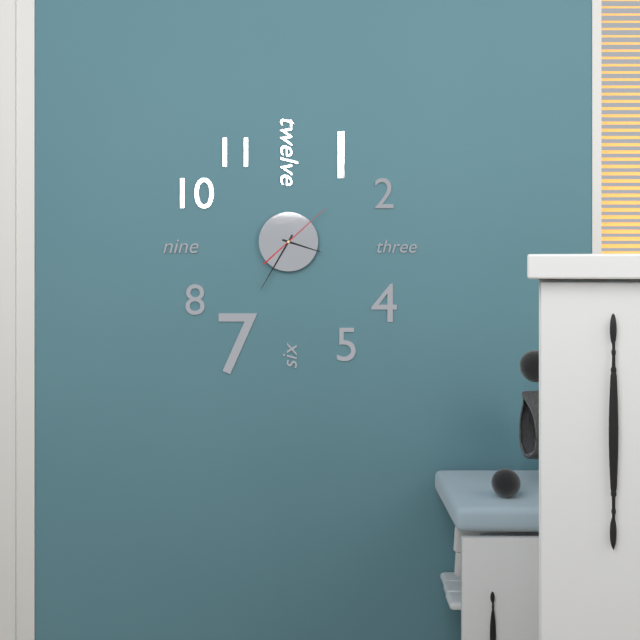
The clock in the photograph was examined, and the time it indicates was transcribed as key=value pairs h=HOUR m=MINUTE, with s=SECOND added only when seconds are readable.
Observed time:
h=3 m=35 s=8
